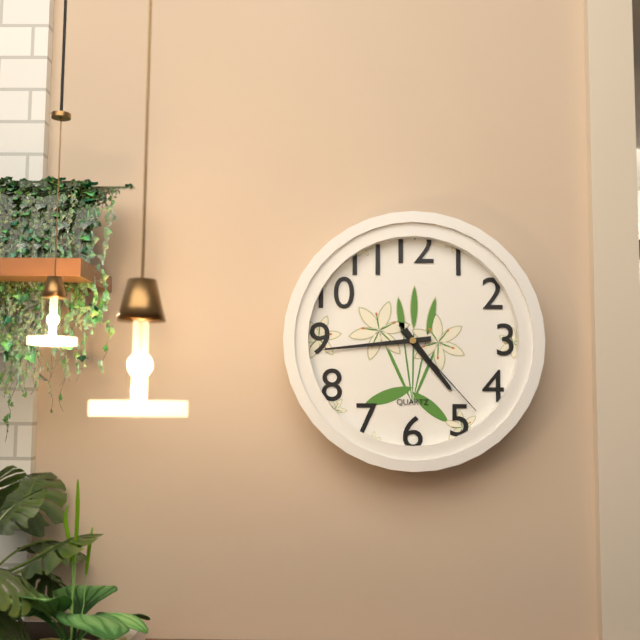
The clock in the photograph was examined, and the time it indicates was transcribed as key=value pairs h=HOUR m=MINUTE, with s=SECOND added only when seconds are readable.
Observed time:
h=4 m=44 s=23
